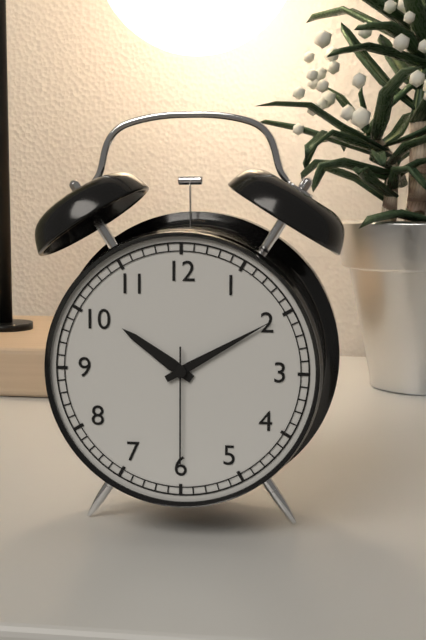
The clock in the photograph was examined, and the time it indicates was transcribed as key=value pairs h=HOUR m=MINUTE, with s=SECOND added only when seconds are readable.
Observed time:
h=10 m=10 s=30
